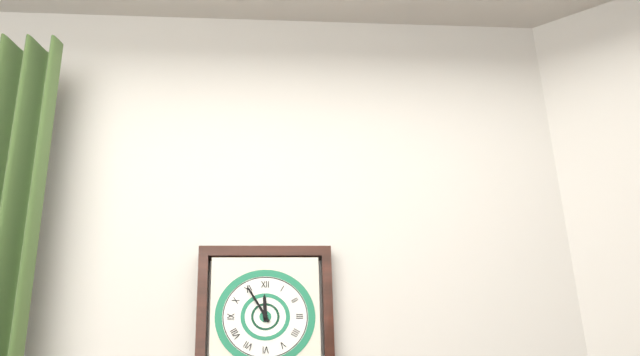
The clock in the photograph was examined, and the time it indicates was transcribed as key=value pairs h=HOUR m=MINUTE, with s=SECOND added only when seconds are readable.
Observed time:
h=11 m=55
